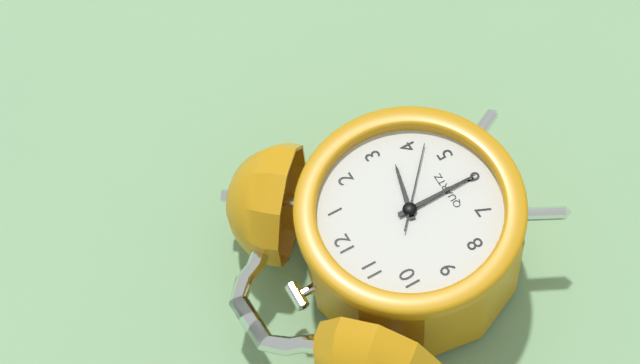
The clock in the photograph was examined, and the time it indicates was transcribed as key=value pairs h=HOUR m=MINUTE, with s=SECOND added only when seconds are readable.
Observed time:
h=3 m=30 s=22
